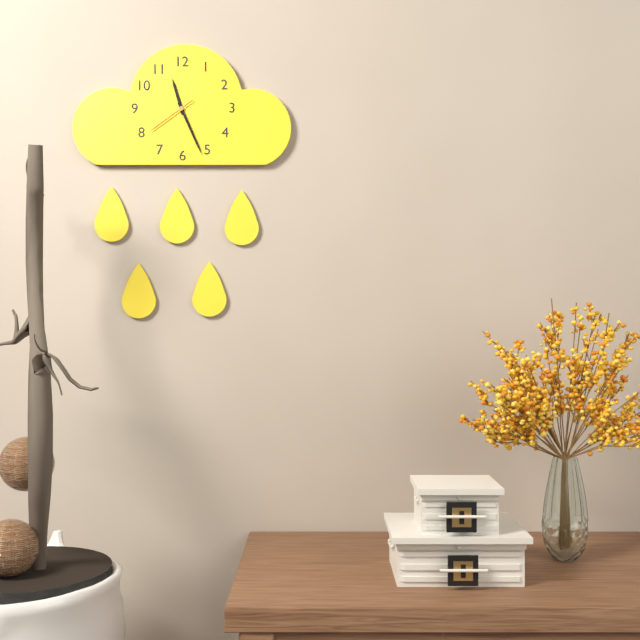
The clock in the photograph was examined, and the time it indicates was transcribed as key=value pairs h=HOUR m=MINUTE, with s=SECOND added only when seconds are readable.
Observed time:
h=11 m=26 s=39
